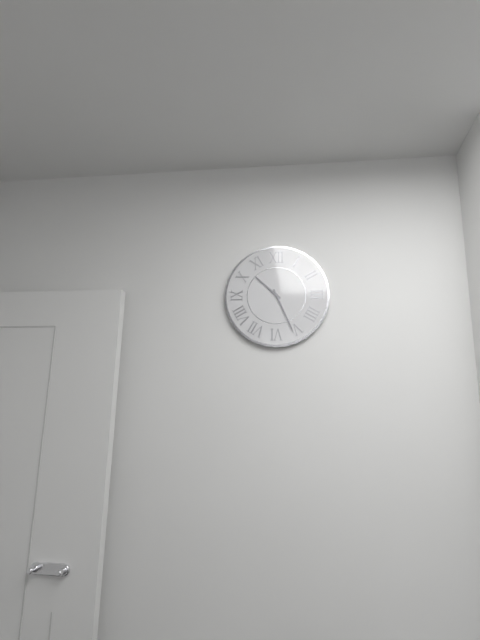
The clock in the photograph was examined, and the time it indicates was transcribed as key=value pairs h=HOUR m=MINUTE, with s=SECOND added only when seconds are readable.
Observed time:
h=10 m=26
